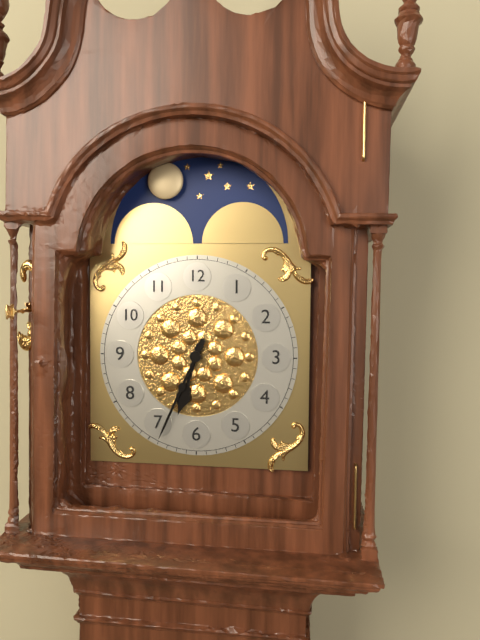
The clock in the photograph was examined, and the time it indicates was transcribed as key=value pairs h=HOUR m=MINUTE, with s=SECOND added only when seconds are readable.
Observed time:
h=6 m=34
